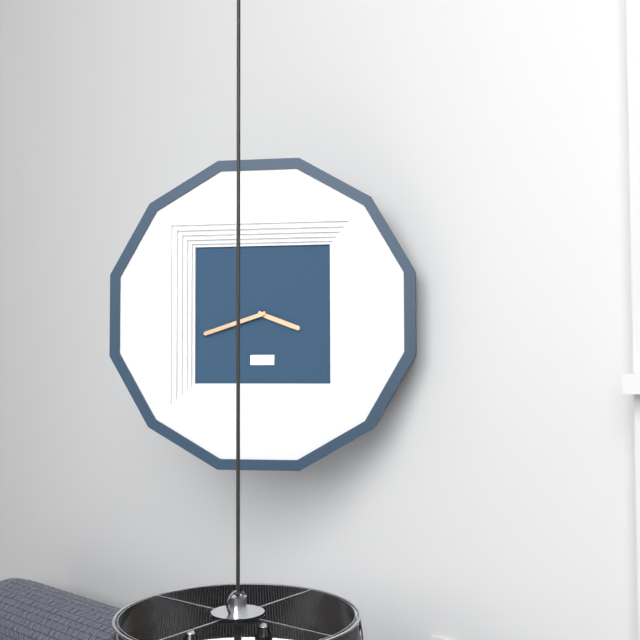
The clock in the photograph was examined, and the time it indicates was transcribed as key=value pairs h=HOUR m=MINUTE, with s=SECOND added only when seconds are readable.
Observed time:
h=3 m=42
